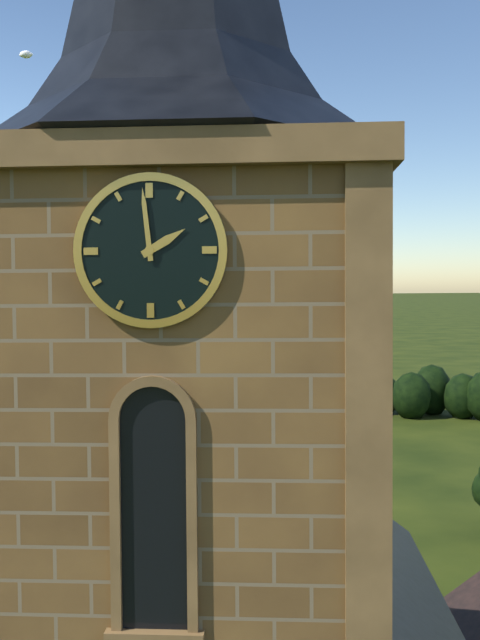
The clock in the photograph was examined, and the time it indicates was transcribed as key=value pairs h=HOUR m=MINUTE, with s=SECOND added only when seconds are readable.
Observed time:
h=1 m=59
